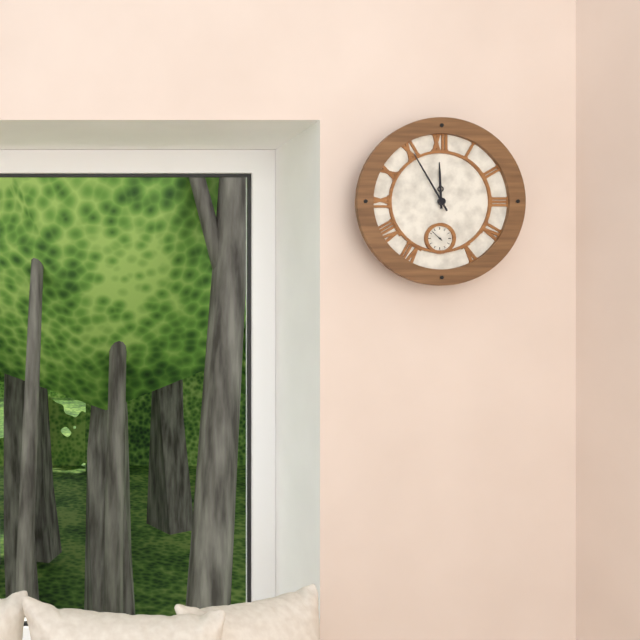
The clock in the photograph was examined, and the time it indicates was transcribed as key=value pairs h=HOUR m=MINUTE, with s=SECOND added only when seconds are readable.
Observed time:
h=11 m=55
